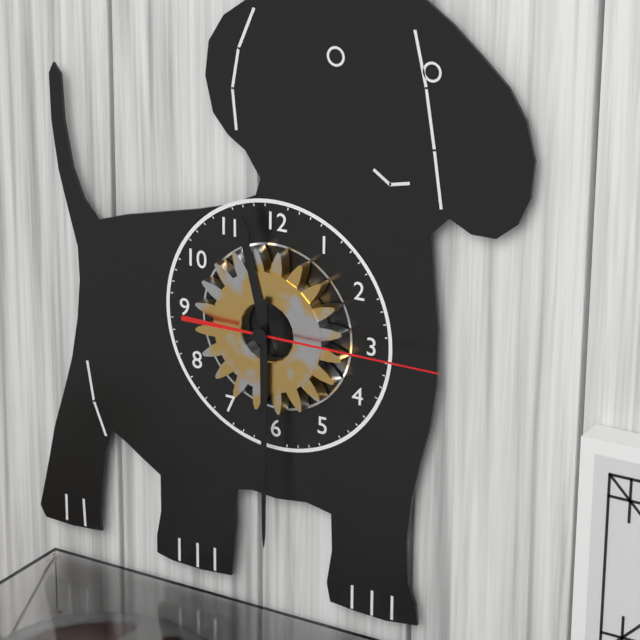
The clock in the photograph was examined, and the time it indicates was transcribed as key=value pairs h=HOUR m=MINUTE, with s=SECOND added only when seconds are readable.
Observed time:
h=11 m=30 s=15
